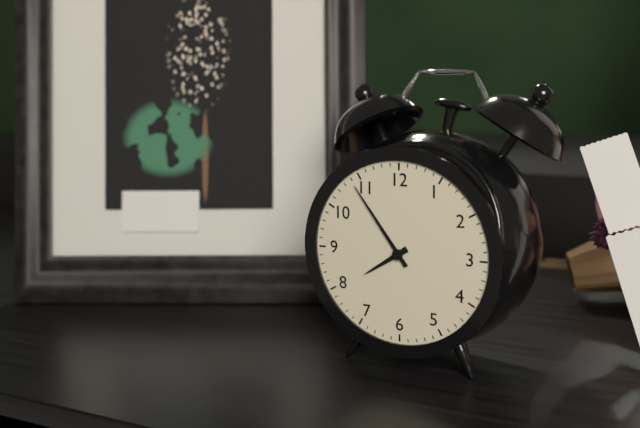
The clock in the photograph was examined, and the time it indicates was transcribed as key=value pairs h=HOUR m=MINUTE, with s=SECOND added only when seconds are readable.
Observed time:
h=7 m=54
